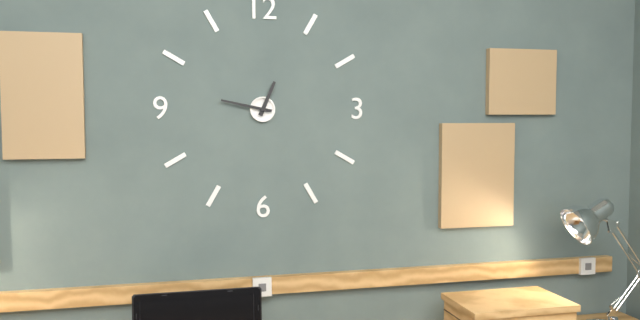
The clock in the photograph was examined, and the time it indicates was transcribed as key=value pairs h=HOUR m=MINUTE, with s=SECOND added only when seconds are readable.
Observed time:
h=12 m=47
